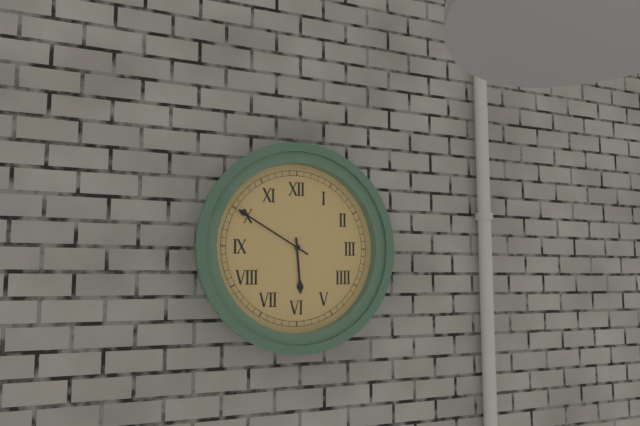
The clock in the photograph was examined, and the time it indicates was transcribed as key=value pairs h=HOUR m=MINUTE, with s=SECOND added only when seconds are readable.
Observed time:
h=5 m=50
